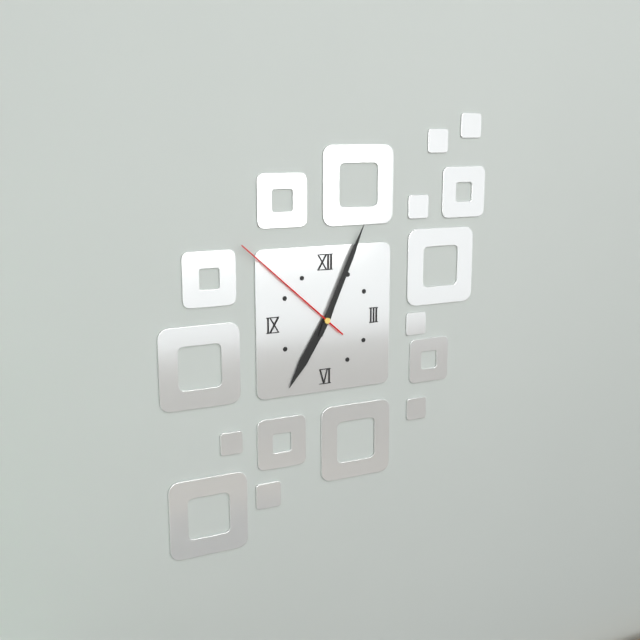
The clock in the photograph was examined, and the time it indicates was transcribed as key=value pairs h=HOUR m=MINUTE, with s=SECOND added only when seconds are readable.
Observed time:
h=7 m=4 s=52
